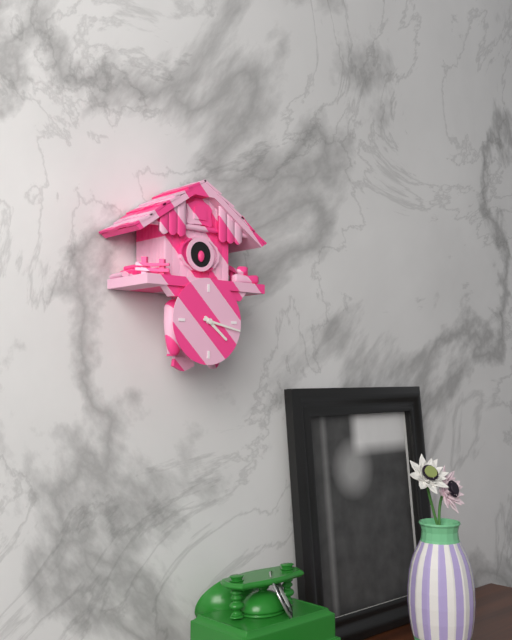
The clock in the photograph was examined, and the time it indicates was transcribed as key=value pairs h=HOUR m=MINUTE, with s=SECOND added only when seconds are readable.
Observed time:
h=4 m=17
